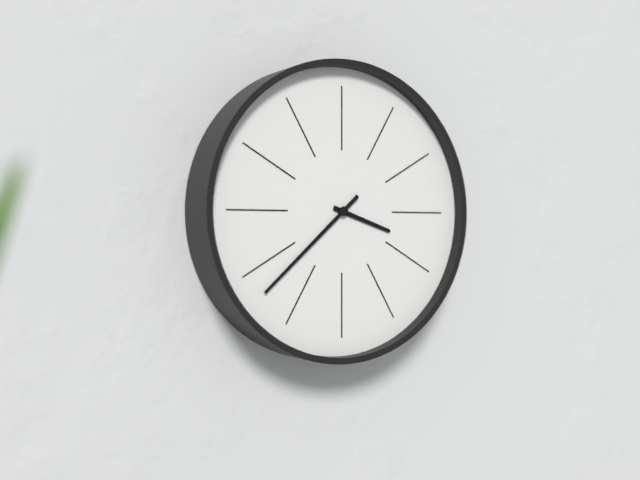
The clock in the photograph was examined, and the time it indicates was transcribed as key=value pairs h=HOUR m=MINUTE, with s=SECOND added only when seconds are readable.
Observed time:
h=3 m=38
